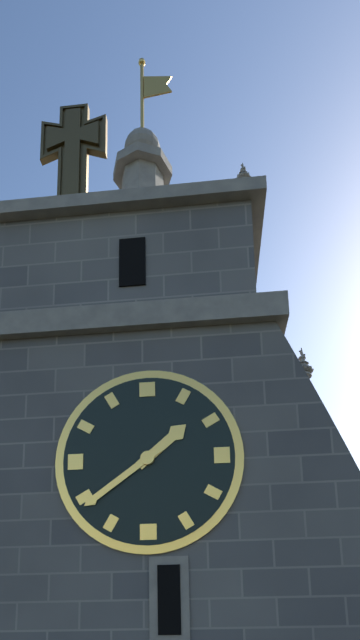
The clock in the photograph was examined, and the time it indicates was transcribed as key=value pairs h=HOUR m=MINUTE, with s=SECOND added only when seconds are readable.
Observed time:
h=1 m=39
